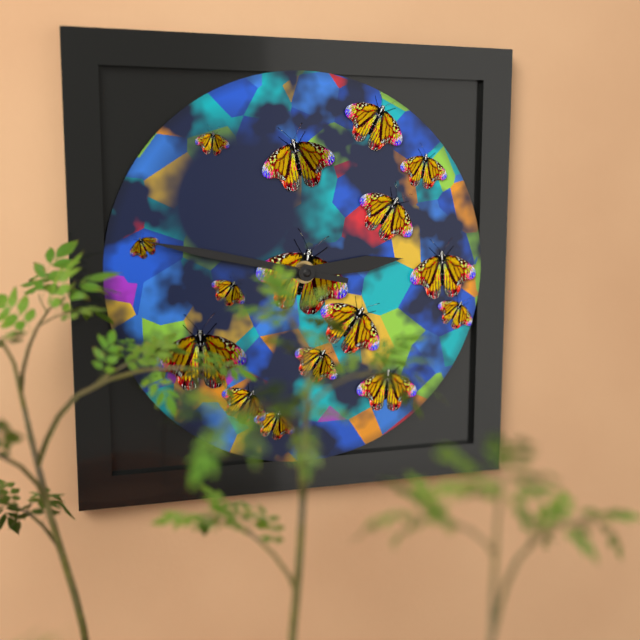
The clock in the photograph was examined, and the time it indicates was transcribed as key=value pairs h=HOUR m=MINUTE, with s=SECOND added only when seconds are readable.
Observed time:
h=2 m=47
